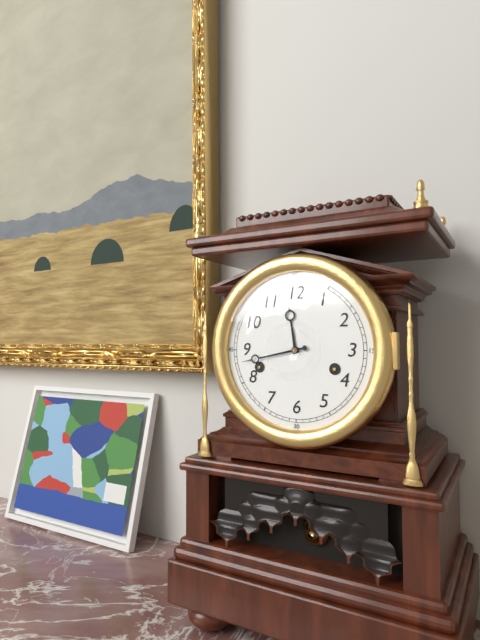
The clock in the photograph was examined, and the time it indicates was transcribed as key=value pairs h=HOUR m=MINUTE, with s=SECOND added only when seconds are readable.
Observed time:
h=11 m=43
